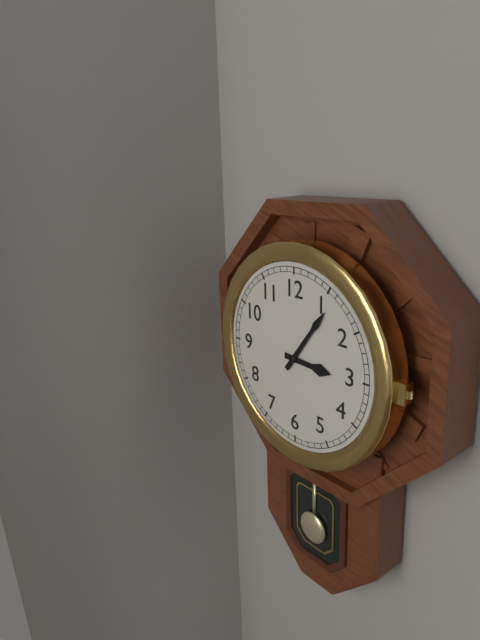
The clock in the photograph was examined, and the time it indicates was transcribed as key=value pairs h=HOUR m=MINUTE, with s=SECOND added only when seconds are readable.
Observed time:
h=3 m=6
